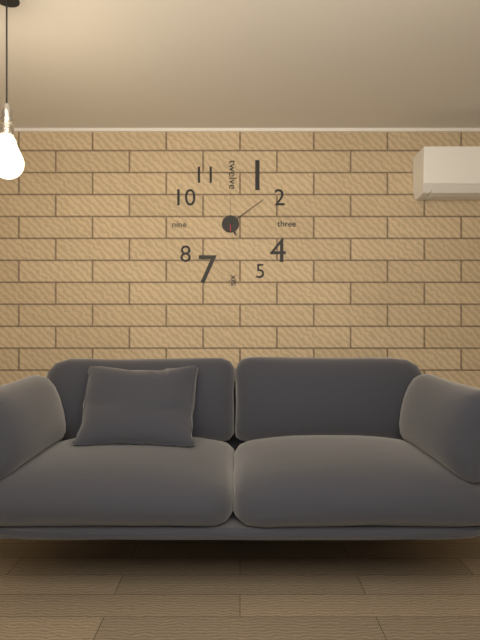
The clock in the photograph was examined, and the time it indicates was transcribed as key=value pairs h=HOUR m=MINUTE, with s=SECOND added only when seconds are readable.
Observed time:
h=5 m=9
